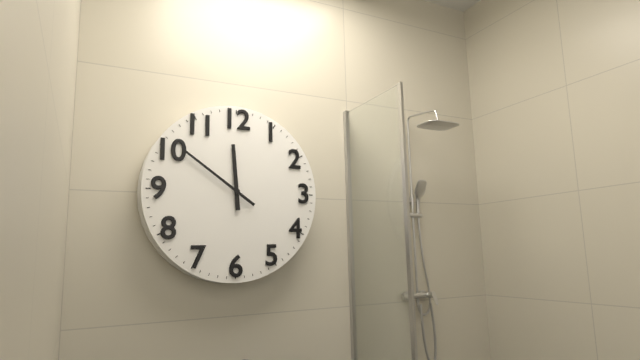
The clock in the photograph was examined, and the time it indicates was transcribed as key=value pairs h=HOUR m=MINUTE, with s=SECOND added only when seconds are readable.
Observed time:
h=11 m=51
